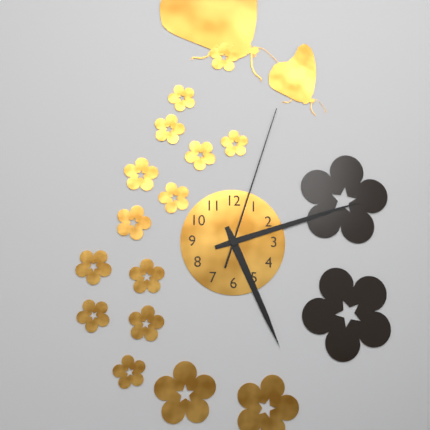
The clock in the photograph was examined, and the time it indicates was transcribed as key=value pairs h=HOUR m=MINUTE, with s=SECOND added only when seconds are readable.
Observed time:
h=5 m=12 s=3
